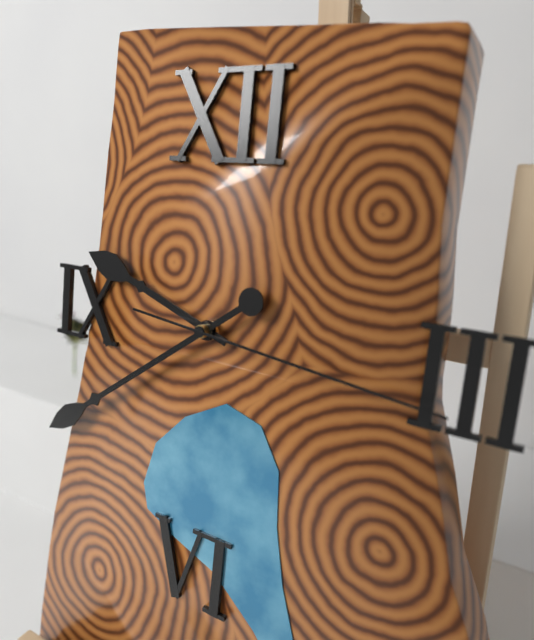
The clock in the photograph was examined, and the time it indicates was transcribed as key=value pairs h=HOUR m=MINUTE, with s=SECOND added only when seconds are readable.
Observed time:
h=9 m=39 s=16
